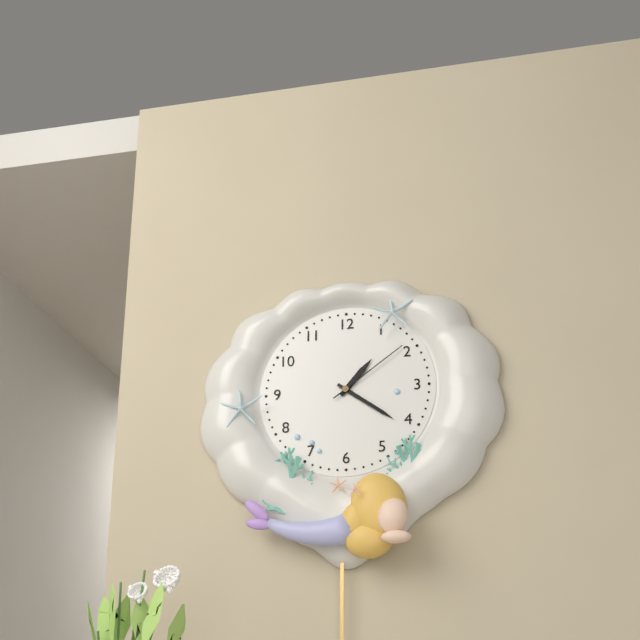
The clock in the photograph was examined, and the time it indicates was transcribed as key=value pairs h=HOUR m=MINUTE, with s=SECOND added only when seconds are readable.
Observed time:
h=1 m=21 s=9
